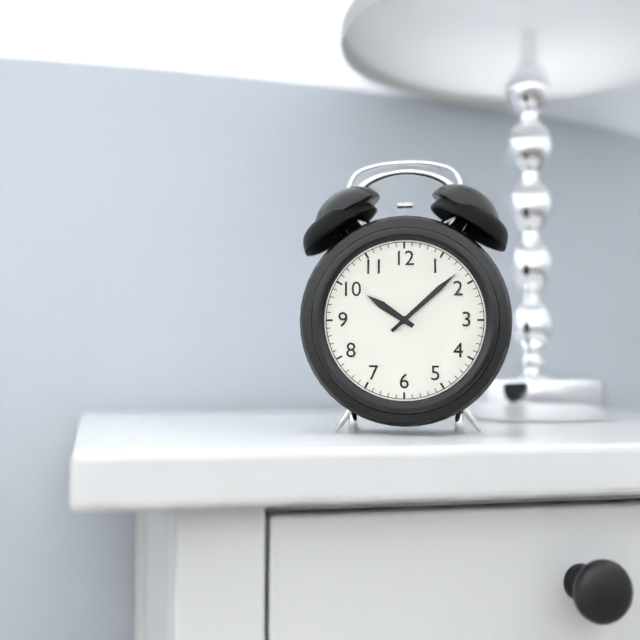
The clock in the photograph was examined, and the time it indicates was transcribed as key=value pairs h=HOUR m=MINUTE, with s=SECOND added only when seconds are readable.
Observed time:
h=10 m=8
